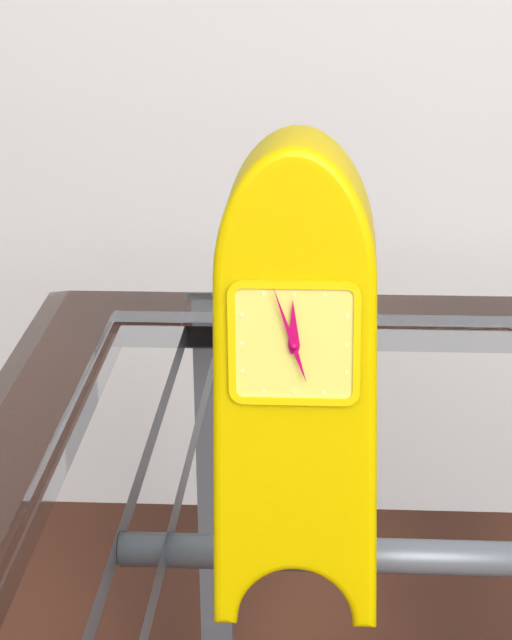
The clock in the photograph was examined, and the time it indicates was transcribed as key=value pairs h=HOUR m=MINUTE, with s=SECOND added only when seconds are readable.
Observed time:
h=11 m=57
